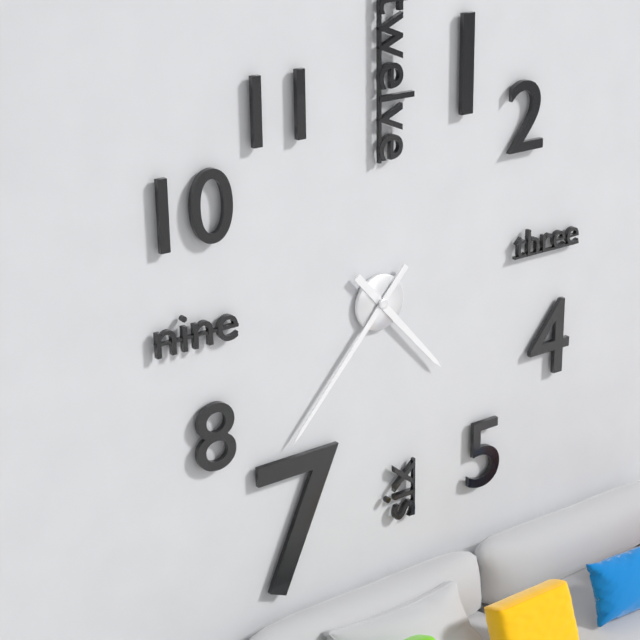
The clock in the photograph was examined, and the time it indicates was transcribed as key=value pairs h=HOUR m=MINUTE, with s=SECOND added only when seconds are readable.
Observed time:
h=4 m=37
